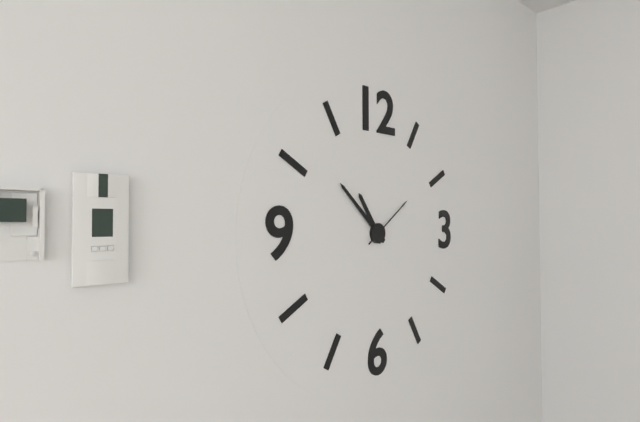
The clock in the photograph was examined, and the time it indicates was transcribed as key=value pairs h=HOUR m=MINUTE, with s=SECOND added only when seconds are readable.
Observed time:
h=10 m=52 s=9
